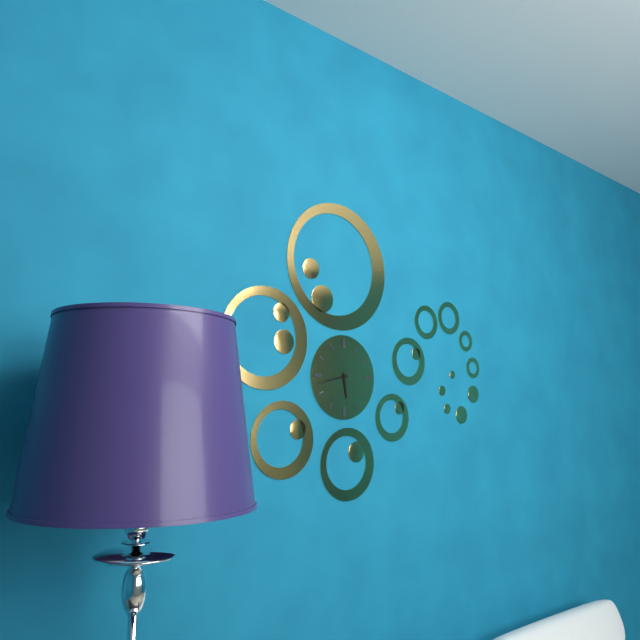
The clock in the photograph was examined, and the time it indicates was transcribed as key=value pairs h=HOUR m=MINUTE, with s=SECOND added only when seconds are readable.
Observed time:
h=5 m=43
